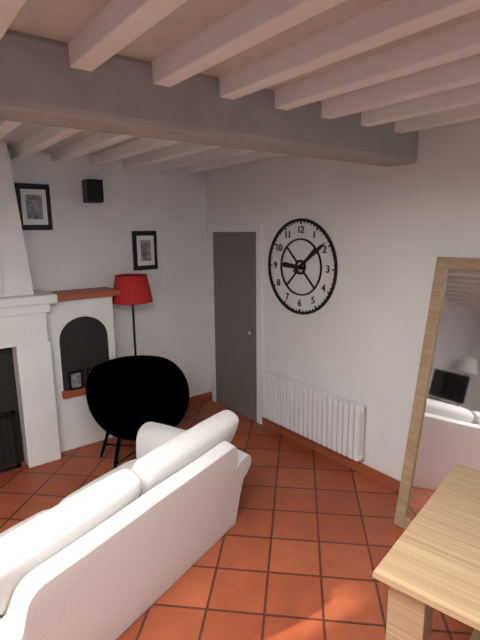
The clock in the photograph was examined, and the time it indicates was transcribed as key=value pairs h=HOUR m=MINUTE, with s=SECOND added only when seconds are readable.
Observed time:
h=9 m=9
